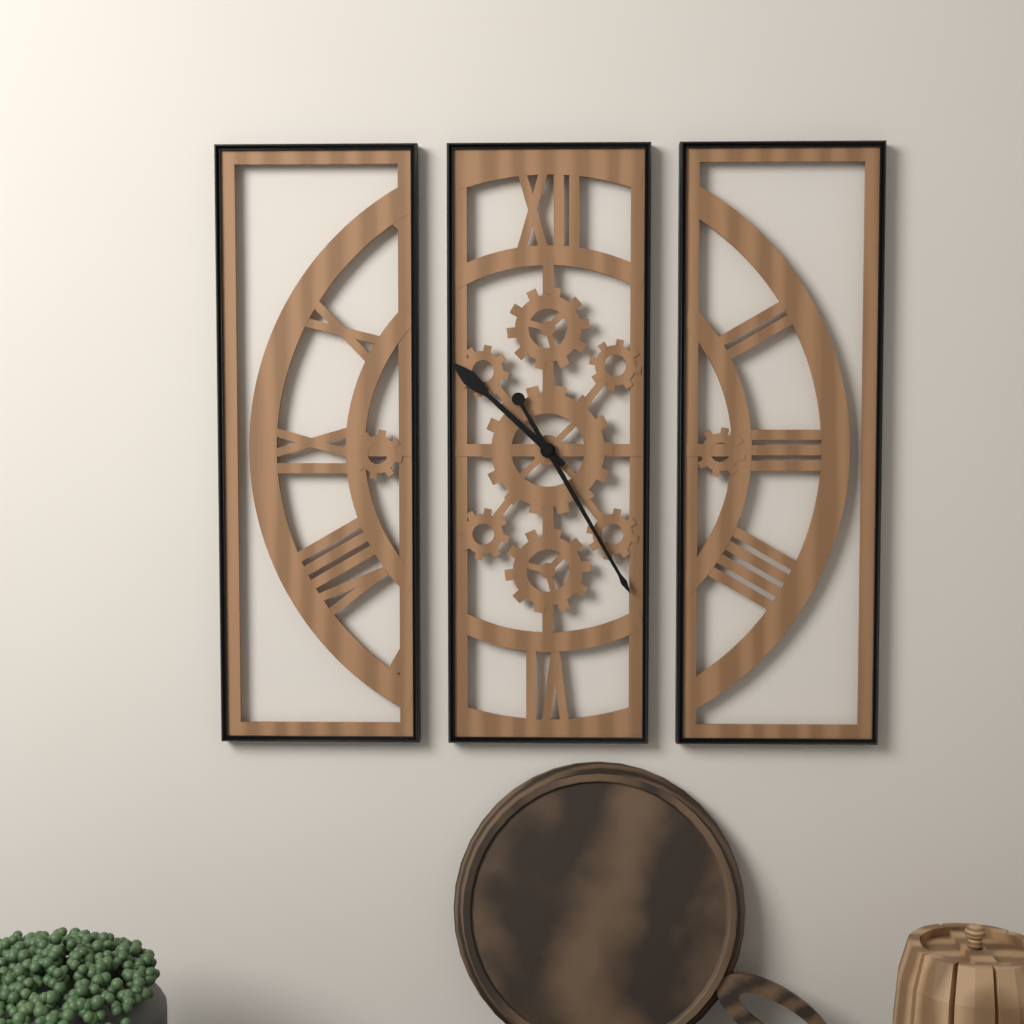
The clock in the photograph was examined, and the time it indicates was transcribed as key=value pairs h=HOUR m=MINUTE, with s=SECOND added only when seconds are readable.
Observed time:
h=10 m=25
